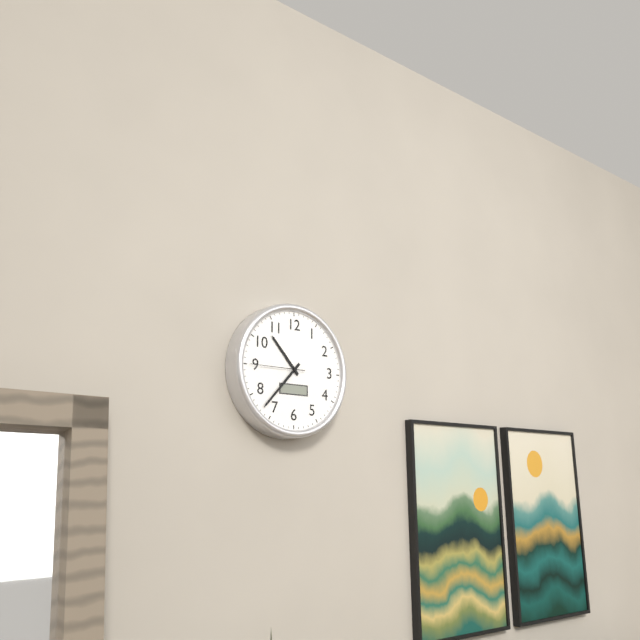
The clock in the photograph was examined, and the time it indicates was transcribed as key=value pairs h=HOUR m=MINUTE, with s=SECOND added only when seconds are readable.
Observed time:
h=10 m=37 s=45
